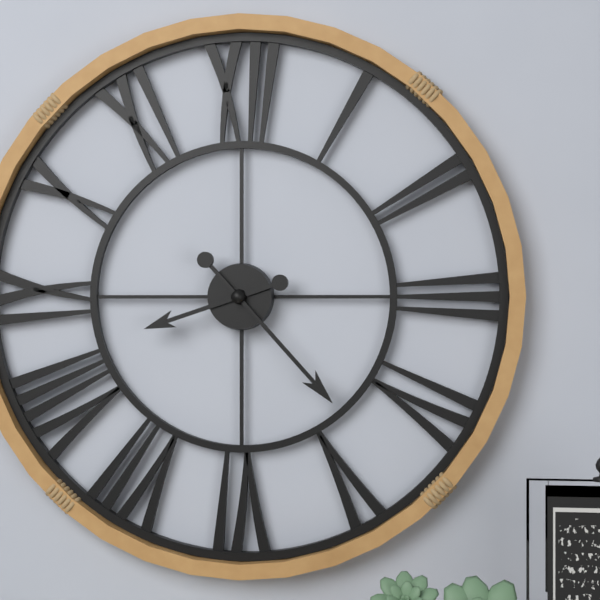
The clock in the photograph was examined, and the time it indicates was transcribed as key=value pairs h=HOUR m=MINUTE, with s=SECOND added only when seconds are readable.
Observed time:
h=8 m=23
